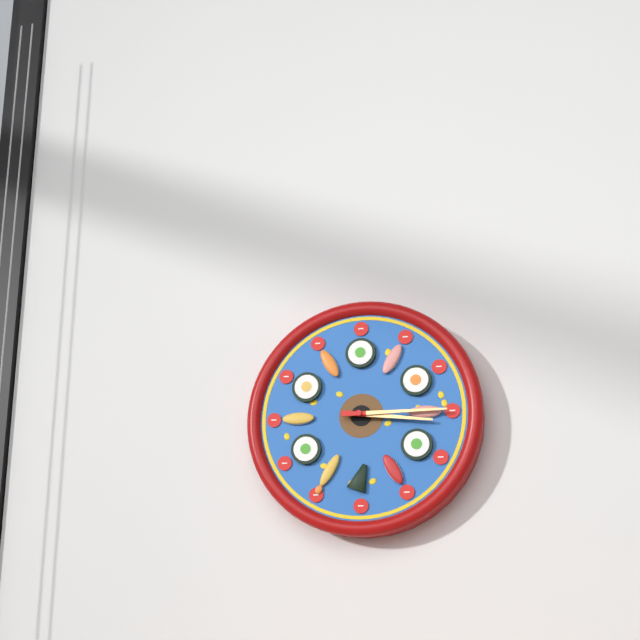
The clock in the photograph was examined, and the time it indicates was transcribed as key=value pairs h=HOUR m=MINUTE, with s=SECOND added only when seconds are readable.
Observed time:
h=3 m=15
